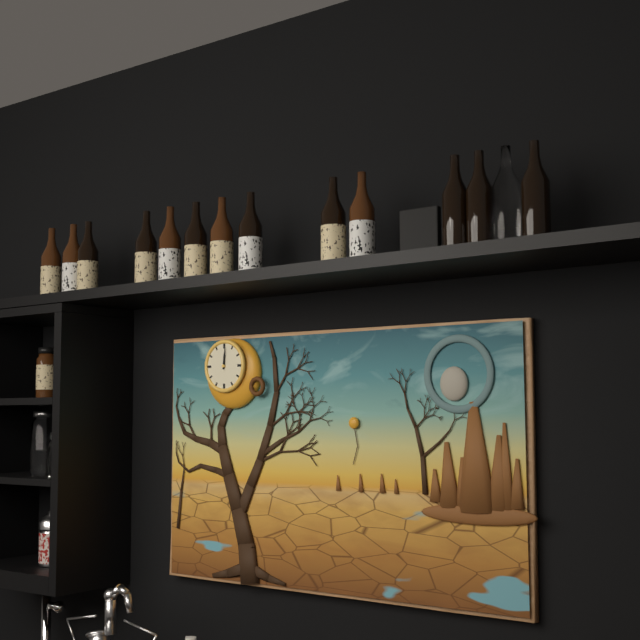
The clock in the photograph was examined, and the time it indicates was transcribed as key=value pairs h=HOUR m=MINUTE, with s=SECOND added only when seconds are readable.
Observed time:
h=12 m=1
